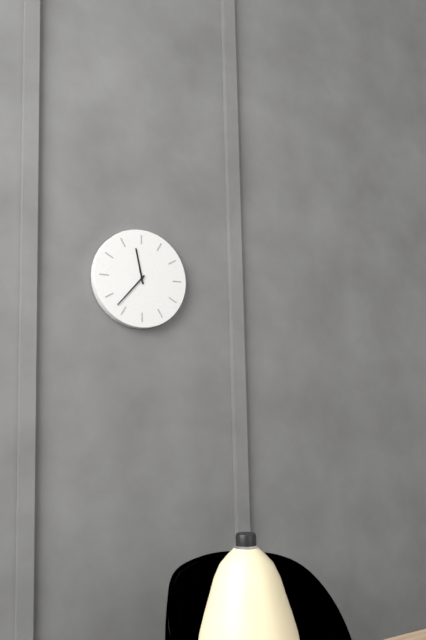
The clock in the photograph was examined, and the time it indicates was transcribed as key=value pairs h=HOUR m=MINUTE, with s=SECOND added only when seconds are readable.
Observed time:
h=11 m=37
